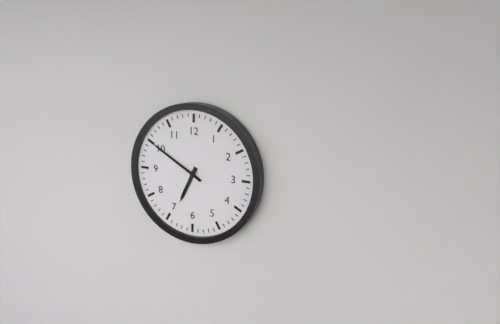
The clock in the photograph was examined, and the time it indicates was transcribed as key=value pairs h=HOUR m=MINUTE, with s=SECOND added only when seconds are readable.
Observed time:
h=6 m=50
